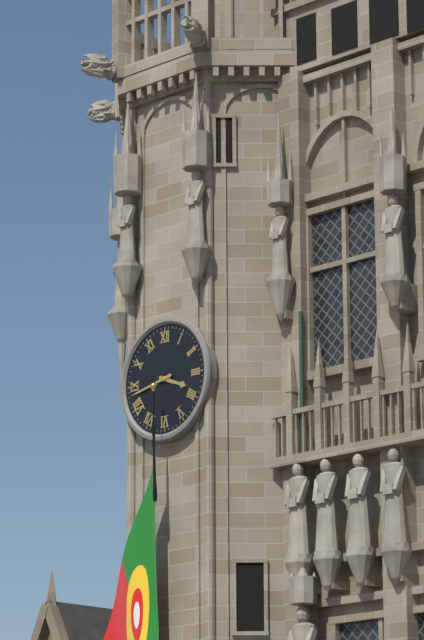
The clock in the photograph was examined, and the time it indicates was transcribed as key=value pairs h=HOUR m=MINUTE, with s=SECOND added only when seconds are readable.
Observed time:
h=3 m=43
